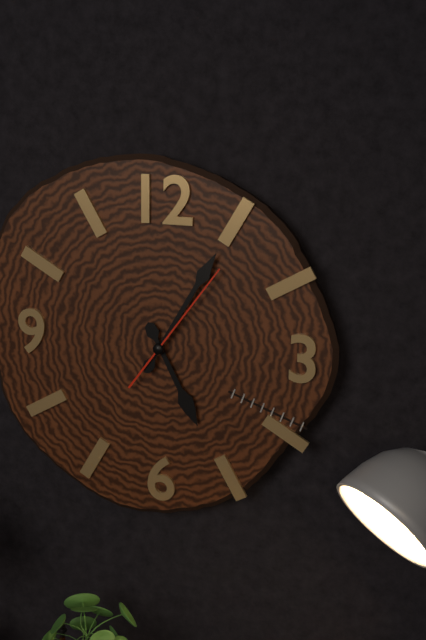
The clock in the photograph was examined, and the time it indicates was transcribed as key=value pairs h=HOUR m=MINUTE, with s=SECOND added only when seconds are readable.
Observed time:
h=5 m=5 s=6
